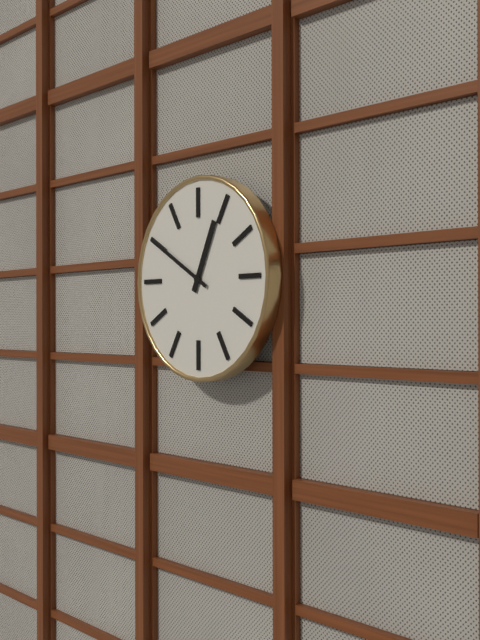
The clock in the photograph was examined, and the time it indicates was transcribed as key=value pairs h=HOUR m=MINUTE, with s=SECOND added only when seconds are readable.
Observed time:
h=12 m=50
